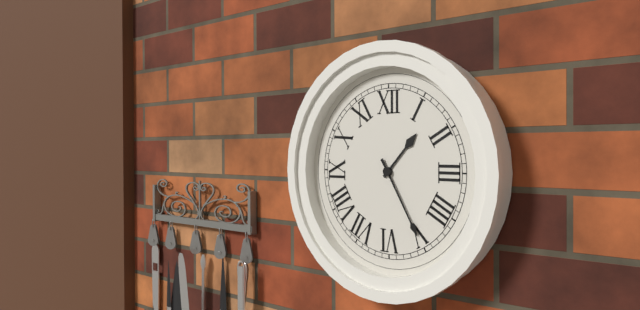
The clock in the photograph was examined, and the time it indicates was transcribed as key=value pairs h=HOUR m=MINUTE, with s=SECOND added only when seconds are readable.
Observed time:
h=1 m=25
